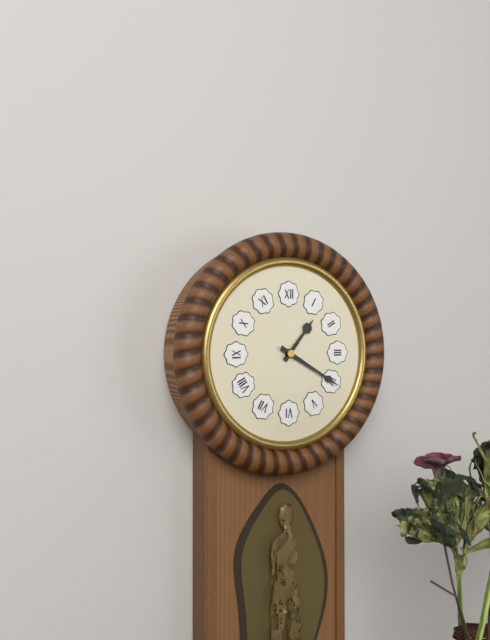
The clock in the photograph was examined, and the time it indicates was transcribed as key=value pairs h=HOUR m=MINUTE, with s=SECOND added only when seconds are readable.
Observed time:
h=1 m=20
